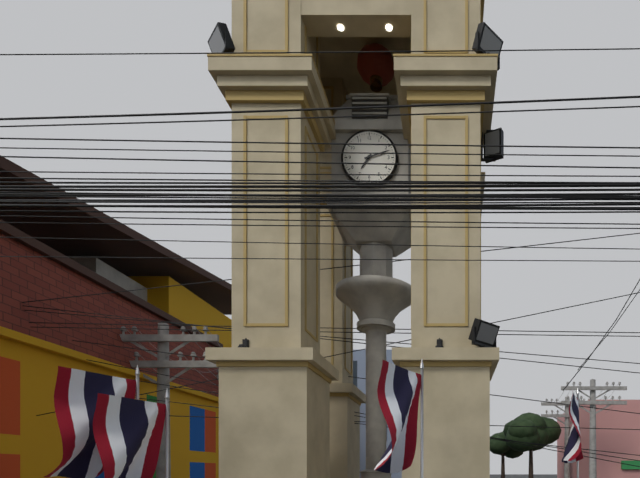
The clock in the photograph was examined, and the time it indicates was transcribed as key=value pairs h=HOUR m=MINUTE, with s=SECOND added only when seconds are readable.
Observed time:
h=7 m=12
